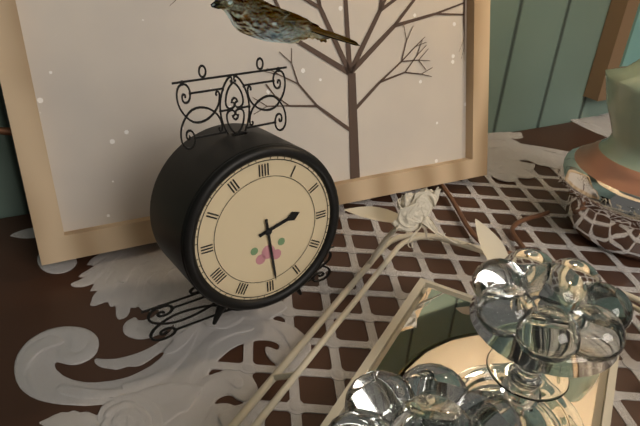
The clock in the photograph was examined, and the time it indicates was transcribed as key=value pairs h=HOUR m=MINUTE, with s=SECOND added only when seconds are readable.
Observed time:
h=2 m=29
